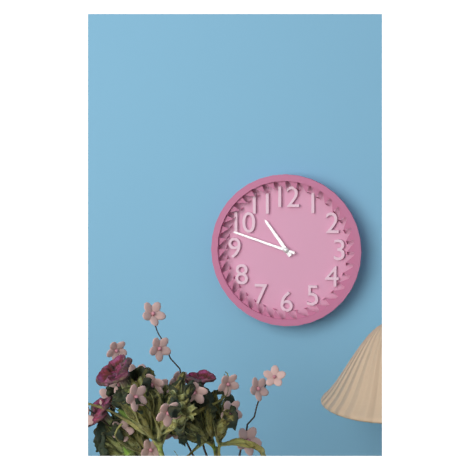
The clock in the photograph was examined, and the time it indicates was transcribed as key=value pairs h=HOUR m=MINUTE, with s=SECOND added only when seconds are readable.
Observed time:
h=10 m=48
